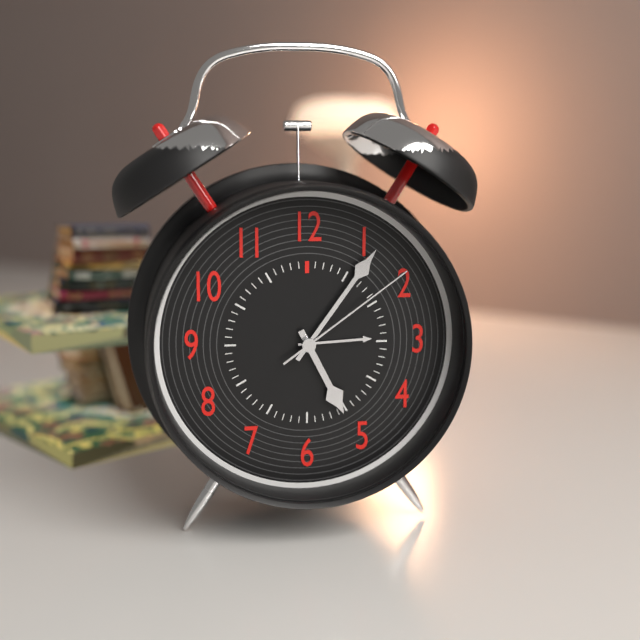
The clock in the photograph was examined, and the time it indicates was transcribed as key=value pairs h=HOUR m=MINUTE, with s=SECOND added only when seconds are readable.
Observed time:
h=5 m=6 s=9
